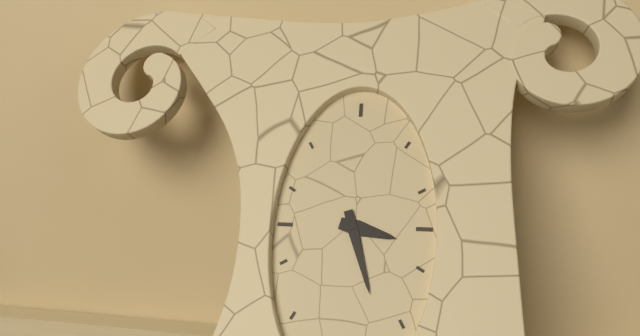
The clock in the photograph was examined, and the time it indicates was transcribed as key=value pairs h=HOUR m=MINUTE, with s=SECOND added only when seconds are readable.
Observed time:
h=3 m=27
